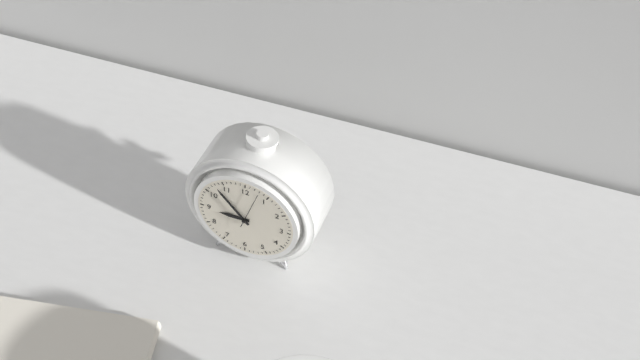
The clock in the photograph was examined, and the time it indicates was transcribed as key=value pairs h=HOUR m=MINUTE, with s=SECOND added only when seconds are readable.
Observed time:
h=8 m=53
